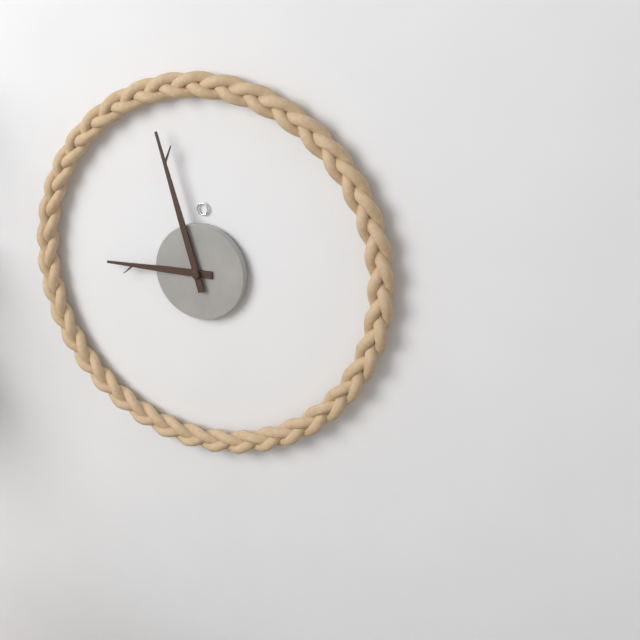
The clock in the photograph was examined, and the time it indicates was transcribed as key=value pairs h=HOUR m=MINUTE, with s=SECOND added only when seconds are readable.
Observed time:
h=8 m=57
